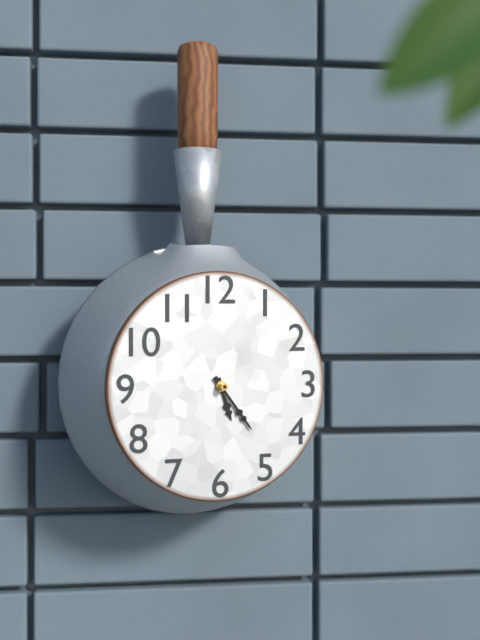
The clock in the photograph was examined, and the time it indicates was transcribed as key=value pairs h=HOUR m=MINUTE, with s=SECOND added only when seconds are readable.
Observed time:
h=5 m=24
